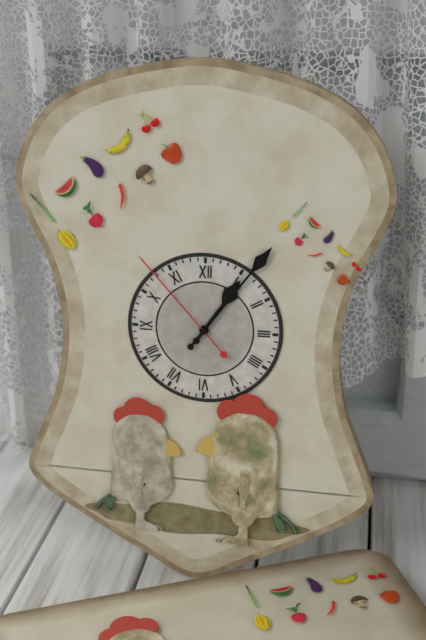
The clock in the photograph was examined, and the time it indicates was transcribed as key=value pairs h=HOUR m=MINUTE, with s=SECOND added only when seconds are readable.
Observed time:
h=1 m=6 s=53
